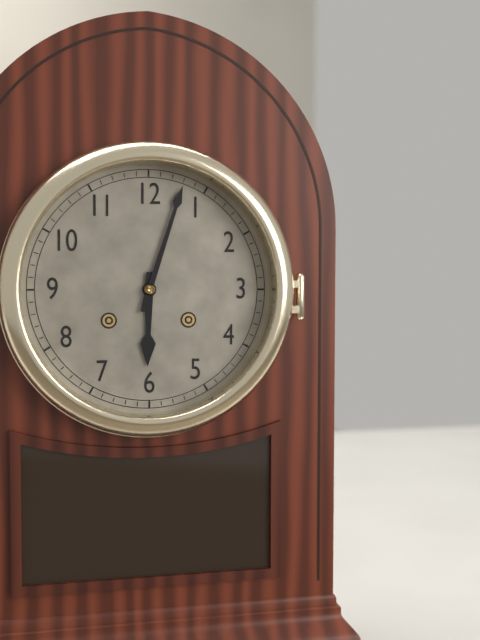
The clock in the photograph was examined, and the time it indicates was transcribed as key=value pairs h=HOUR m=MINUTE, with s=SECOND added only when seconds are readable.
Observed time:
h=6 m=3
